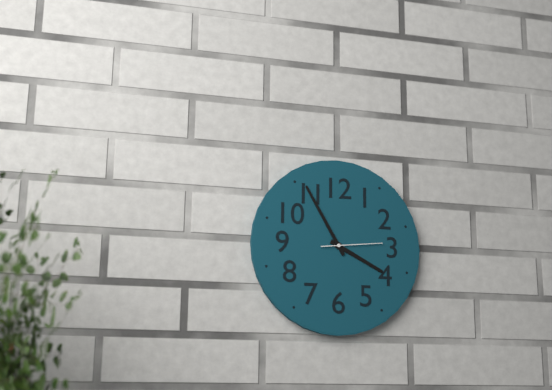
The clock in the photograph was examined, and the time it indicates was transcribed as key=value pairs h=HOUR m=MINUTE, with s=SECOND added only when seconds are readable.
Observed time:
h=3 m=55 s=14
